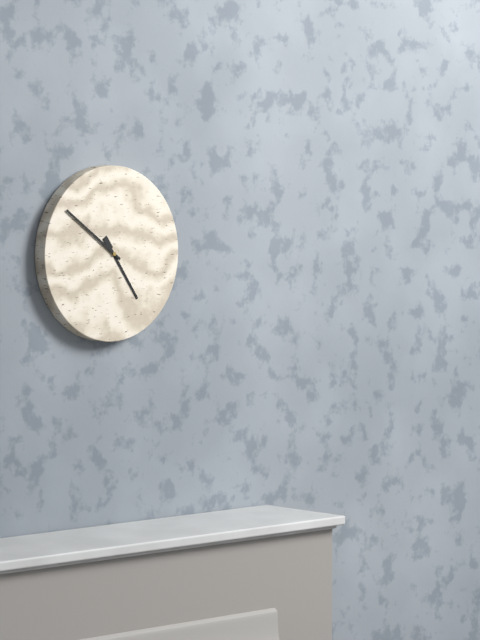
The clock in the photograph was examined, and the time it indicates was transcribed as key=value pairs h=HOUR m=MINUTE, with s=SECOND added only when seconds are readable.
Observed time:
h=4 m=51
